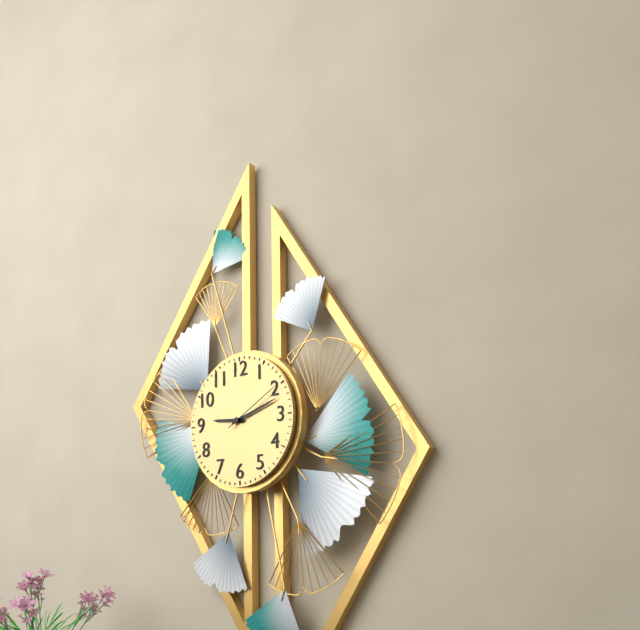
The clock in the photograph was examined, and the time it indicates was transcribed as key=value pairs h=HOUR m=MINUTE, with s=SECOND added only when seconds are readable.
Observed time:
h=9 m=12 s=10
